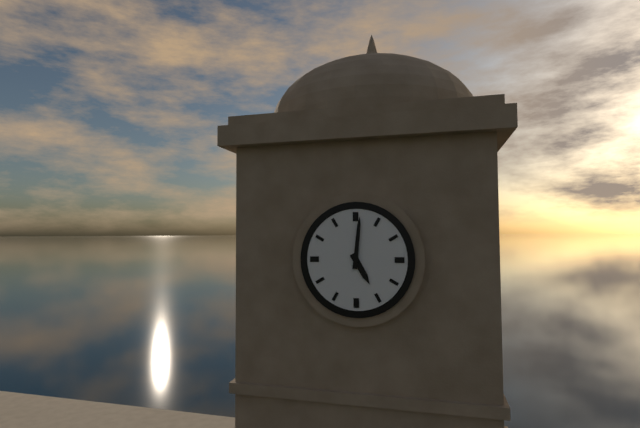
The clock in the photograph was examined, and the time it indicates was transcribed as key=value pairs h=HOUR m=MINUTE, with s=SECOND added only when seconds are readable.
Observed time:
h=5 m=1
